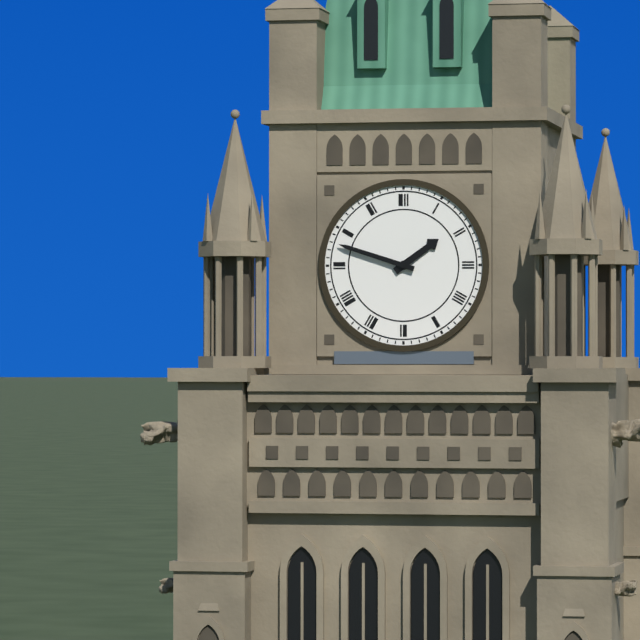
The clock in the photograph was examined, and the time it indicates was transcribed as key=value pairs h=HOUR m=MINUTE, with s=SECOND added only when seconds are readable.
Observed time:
h=1 m=48
